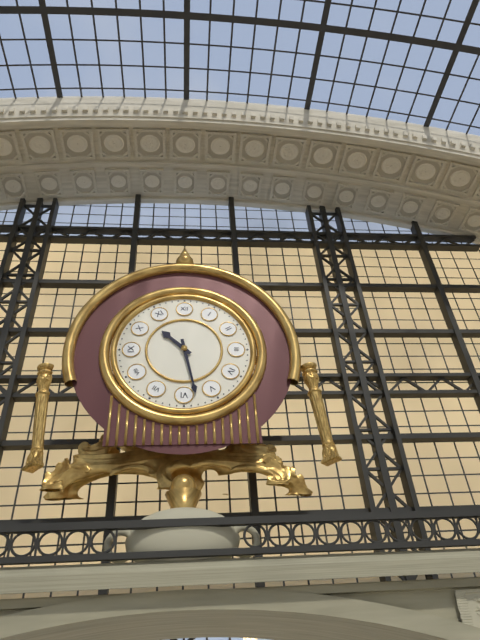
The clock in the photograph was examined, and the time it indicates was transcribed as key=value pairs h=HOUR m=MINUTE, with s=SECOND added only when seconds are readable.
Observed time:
h=10 m=28
